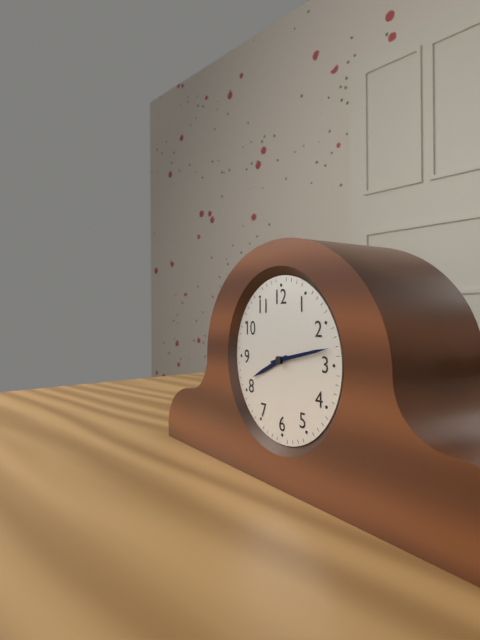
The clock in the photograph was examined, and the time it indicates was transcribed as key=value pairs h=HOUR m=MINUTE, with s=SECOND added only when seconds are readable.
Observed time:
h=8 m=13
